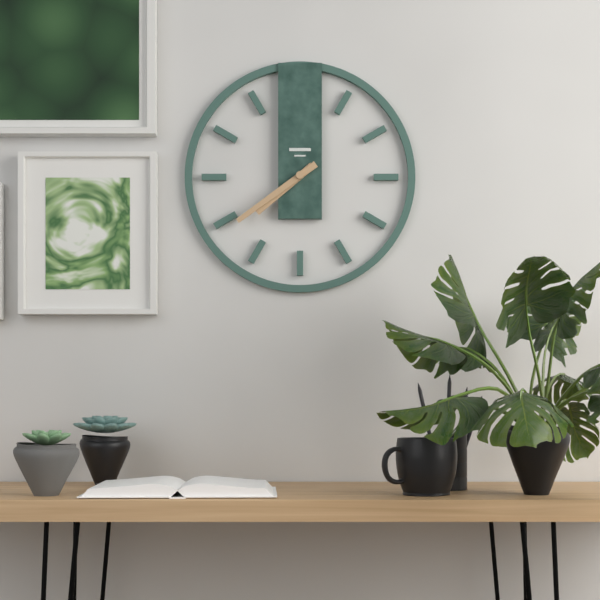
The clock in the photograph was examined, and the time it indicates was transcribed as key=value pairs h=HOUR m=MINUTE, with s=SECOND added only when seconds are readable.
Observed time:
h=7 m=39
